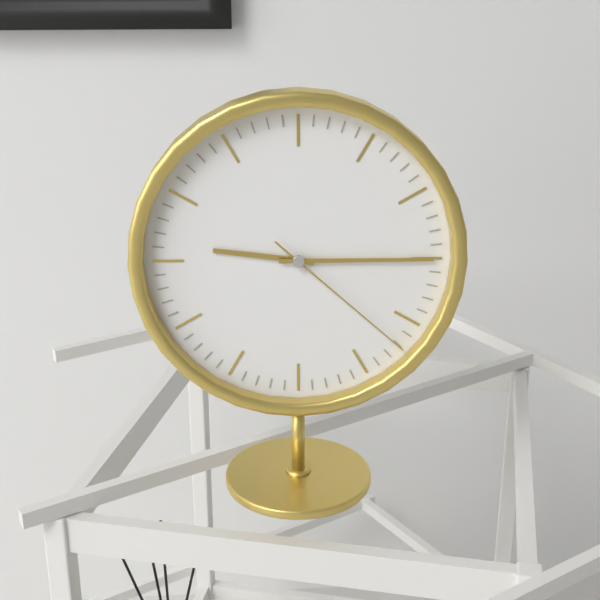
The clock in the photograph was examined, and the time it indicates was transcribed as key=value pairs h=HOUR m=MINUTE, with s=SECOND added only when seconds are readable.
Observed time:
h=9 m=15 s=22
